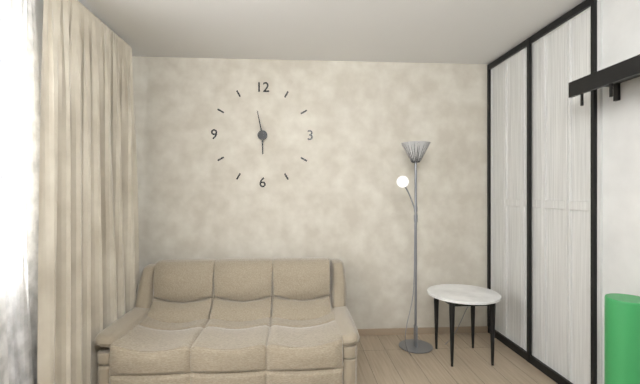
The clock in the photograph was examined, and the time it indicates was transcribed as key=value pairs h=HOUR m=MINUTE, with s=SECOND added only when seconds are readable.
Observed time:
h=5 m=58
